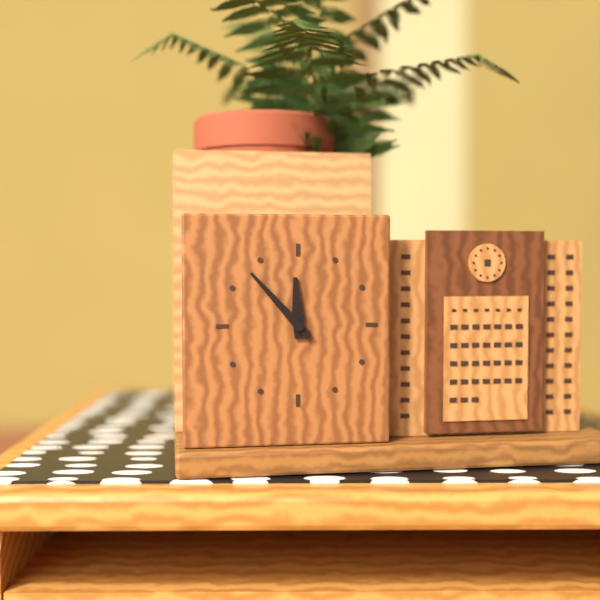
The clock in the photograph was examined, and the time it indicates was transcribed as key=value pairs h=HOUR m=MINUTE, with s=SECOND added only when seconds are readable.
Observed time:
h=11 m=53
